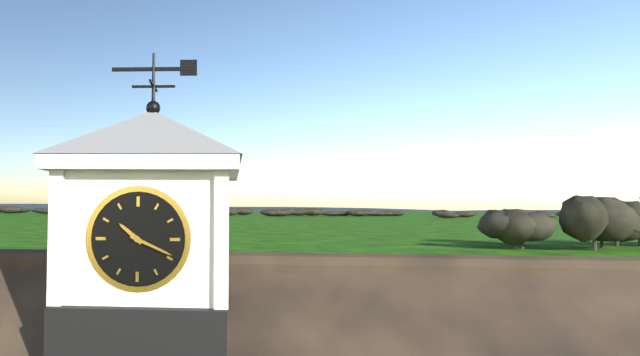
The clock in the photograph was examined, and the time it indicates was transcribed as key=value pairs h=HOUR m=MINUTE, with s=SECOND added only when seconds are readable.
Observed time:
h=10 m=19
